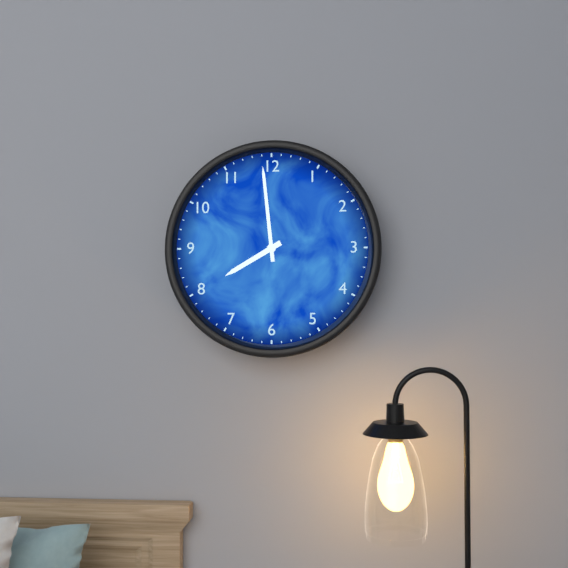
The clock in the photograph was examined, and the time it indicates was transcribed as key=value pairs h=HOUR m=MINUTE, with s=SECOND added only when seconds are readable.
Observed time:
h=7 m=59
